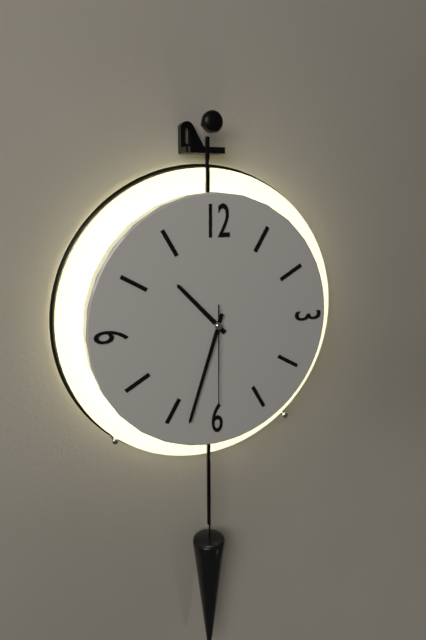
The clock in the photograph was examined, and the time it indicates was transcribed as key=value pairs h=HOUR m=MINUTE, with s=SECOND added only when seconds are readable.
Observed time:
h=10 m=33 s=30
